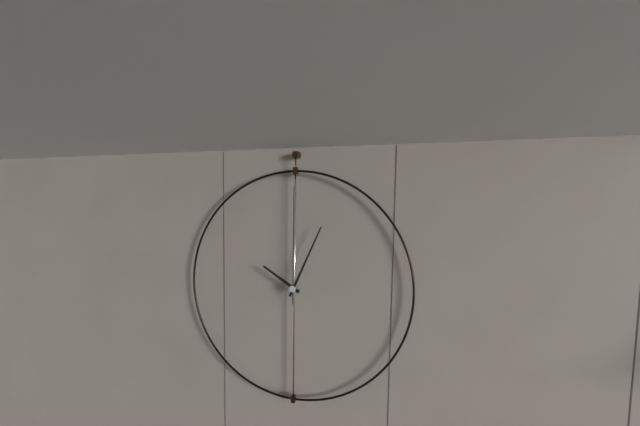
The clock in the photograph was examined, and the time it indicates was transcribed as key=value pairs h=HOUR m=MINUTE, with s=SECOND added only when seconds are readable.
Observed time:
h=10 m=4 s=0
